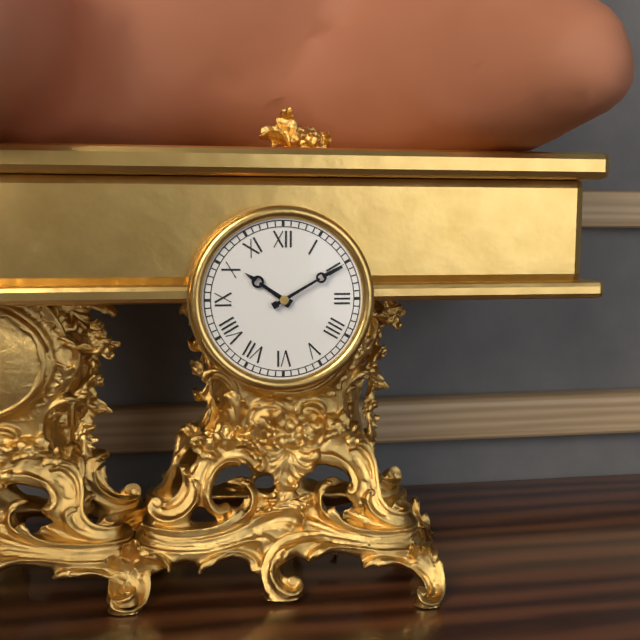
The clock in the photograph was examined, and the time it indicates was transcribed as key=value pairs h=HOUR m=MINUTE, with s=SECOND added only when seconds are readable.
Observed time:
h=10 m=10
